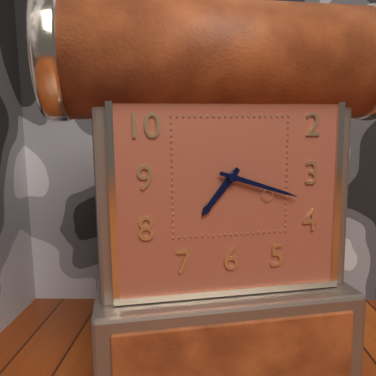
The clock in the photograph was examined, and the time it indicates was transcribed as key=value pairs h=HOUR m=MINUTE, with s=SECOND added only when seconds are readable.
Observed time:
h=7 m=18
